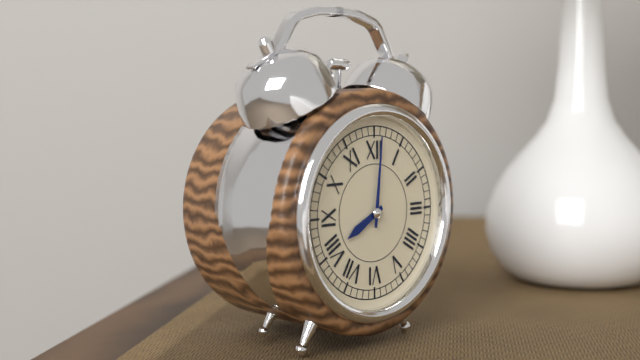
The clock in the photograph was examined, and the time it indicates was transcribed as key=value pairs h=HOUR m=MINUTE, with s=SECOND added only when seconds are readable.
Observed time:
h=8 m=1
